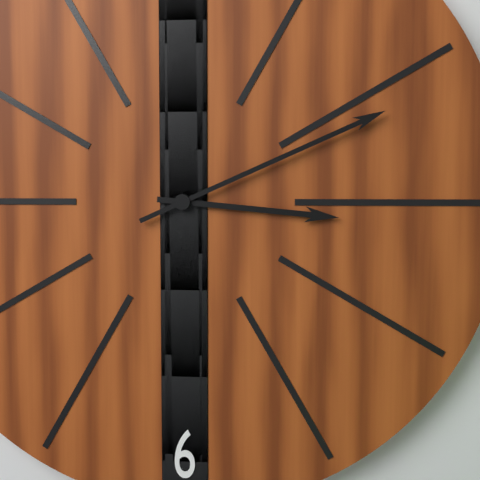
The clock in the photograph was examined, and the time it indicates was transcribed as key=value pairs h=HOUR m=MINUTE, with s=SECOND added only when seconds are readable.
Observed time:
h=3 m=11
